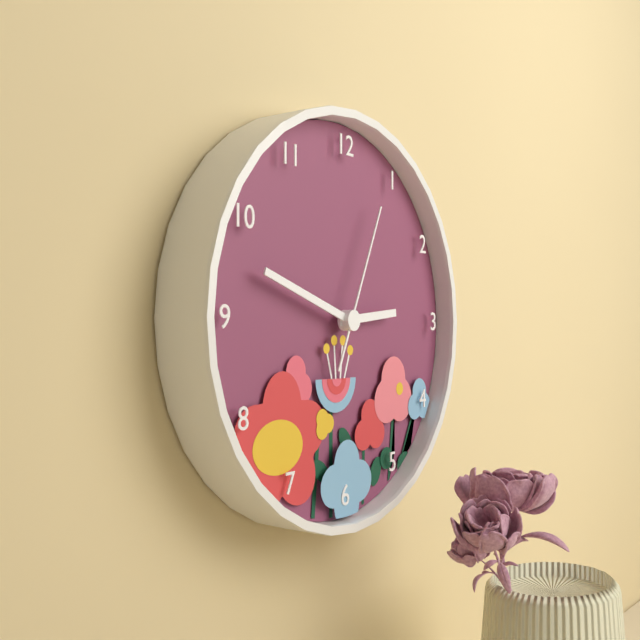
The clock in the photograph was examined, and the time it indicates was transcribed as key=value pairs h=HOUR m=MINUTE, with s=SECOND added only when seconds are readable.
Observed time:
h=2 m=48 s=4
